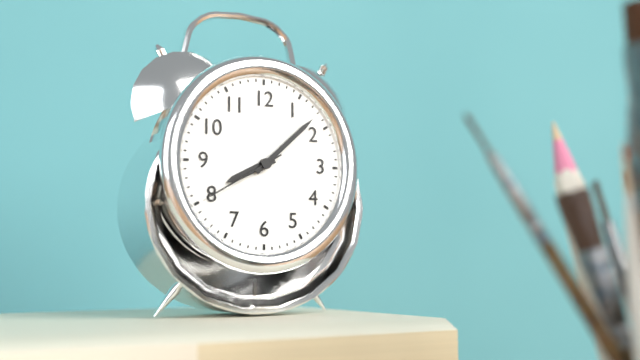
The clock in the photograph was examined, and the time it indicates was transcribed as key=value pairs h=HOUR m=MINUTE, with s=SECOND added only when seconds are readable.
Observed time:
h=8 m=8 s=40
